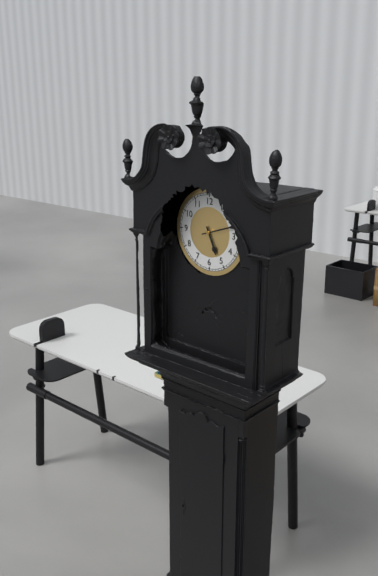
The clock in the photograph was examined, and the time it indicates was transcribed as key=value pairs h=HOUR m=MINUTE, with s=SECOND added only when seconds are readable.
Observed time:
h=5 m=12
